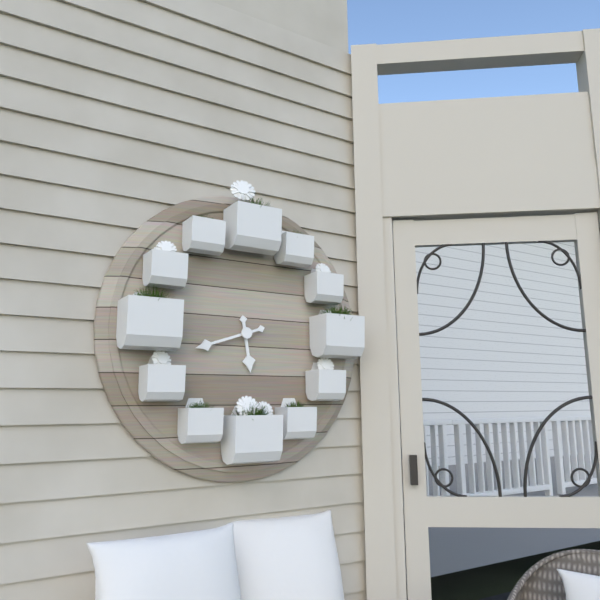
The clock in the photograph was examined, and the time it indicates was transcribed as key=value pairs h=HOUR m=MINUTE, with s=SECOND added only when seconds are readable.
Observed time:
h=5 m=42
